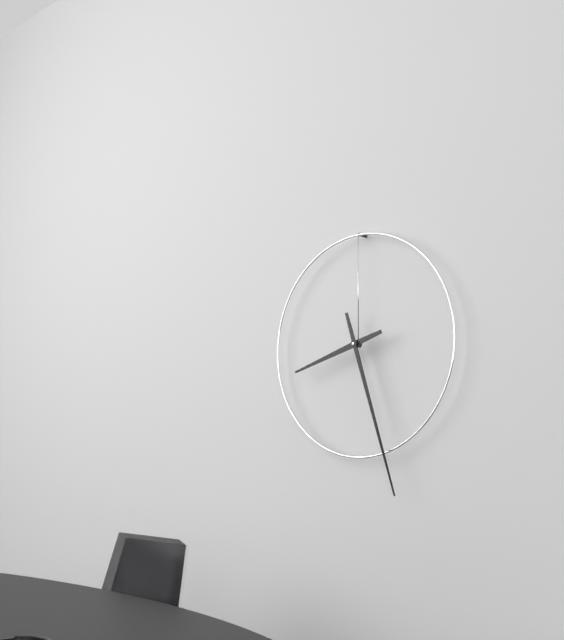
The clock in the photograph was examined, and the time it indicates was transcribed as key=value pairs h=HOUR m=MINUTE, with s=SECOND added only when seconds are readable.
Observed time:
h=8 m=27
